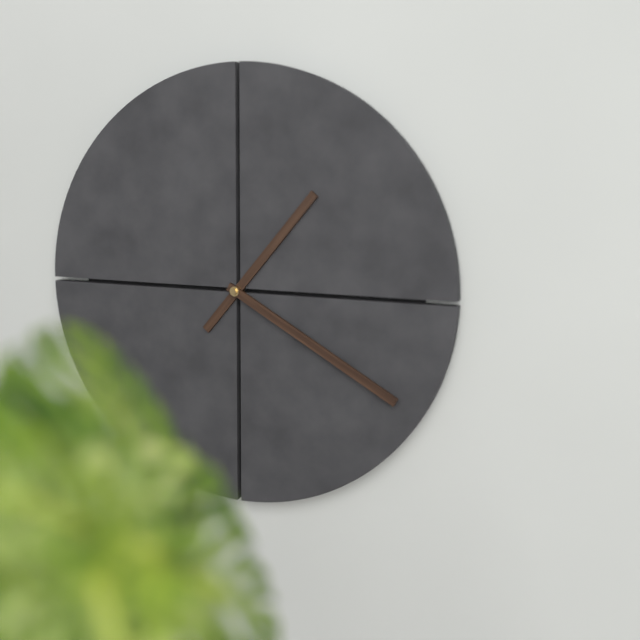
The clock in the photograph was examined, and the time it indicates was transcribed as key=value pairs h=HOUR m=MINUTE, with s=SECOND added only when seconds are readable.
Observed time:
h=1 m=20
